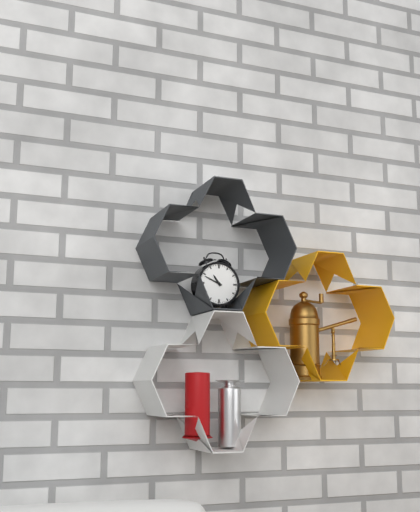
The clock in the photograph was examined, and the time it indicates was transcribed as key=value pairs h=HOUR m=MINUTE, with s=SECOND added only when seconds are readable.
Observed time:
h=10 m=49
